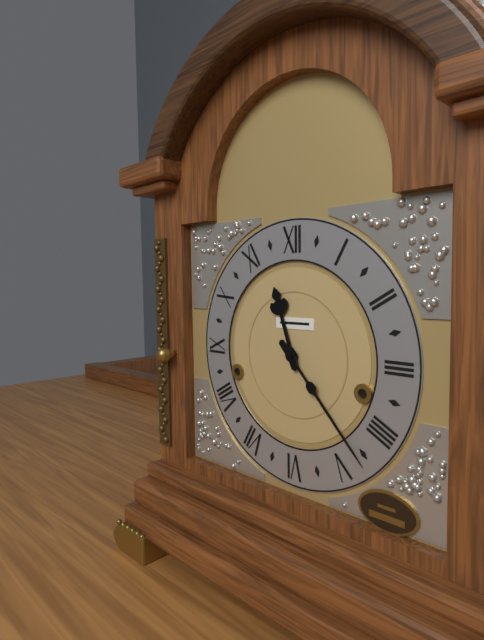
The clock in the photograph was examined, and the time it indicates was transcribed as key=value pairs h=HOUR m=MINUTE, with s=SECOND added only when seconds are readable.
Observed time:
h=11 m=23
